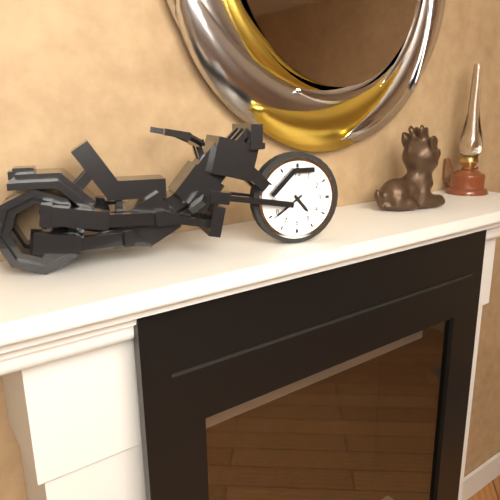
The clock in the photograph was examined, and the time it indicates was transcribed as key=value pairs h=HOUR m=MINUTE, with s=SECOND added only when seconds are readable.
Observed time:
h=4 m=39
